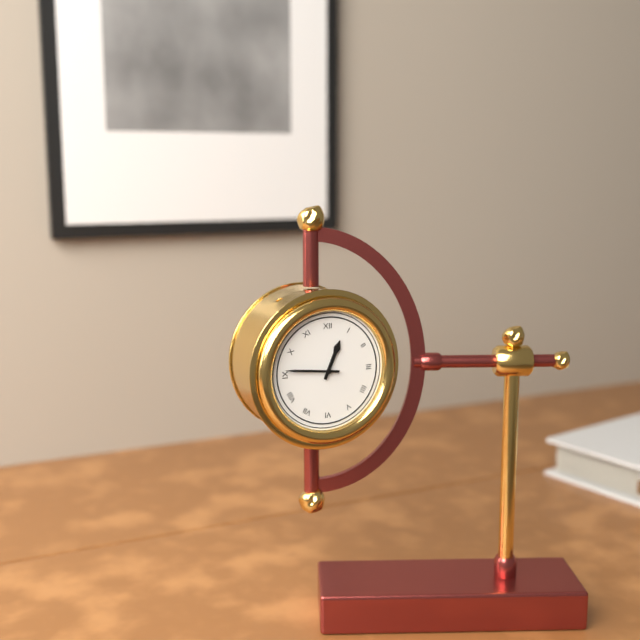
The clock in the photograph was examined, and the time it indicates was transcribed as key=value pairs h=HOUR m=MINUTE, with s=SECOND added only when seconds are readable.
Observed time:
h=12 m=46
